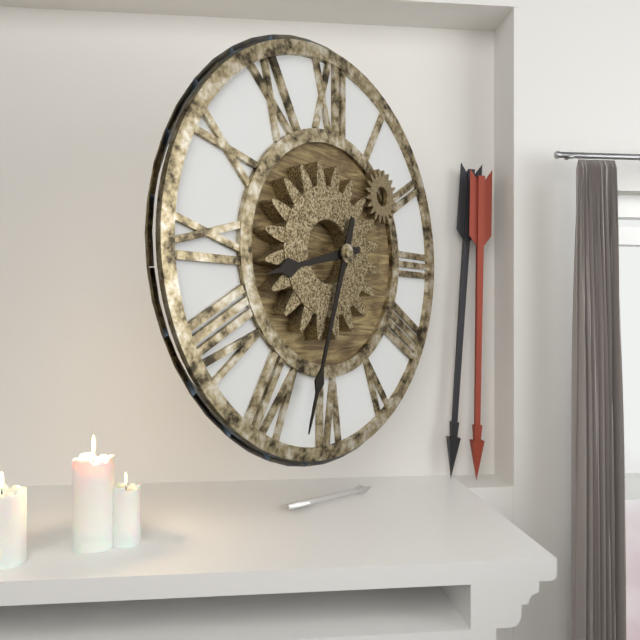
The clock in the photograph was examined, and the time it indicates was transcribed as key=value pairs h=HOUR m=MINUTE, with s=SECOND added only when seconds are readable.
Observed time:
h=8 m=33
